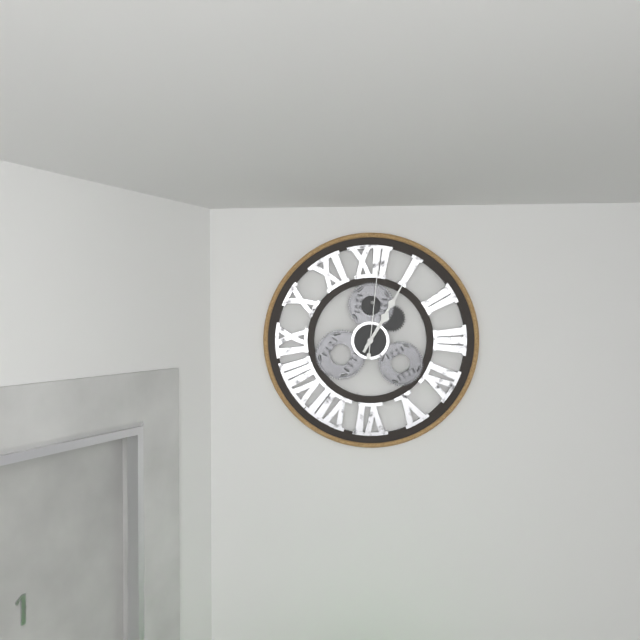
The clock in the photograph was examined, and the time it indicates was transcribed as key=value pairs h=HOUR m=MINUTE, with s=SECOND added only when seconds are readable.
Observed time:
h=1 m=5 s=1
